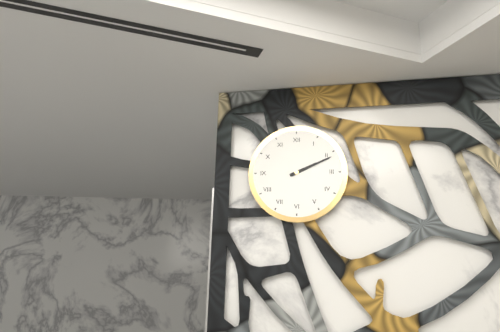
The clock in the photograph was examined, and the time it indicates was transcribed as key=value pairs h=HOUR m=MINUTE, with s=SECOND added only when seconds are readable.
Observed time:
h=2 m=11
